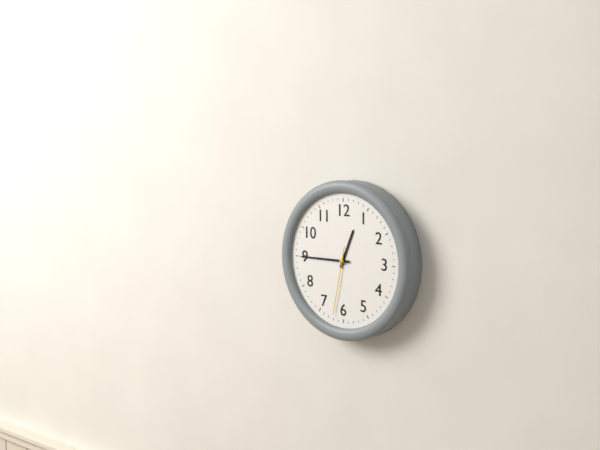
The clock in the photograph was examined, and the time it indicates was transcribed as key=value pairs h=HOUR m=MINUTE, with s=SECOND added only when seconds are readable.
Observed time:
h=12 m=45 s=32
